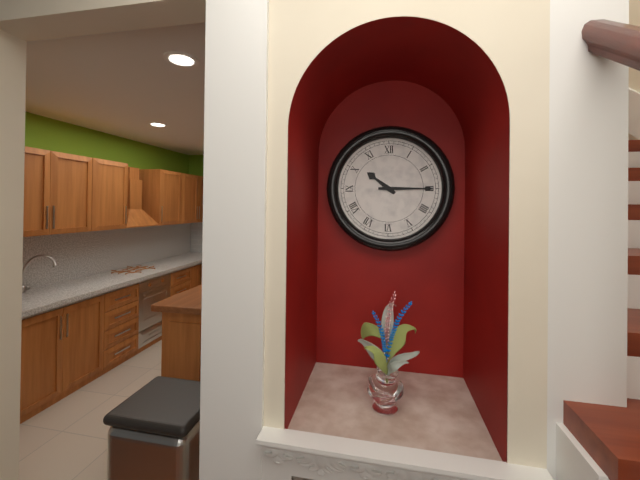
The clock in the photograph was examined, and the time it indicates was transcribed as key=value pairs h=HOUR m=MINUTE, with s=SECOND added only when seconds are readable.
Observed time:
h=10 m=15
